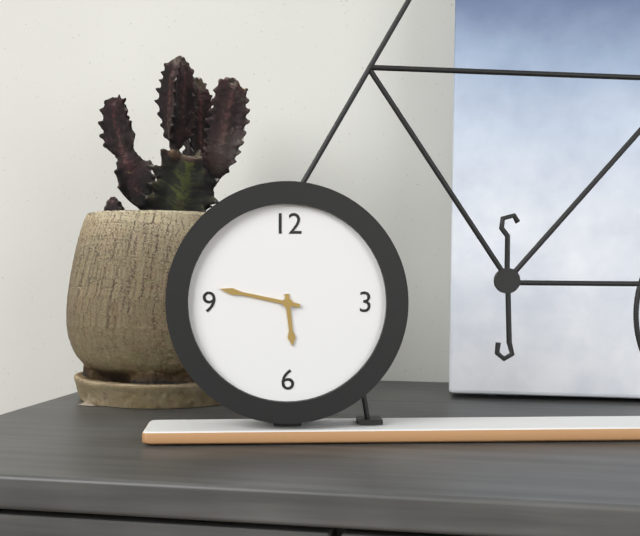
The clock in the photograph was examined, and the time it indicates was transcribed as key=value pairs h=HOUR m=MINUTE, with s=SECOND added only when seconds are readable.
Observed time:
h=5 m=47
